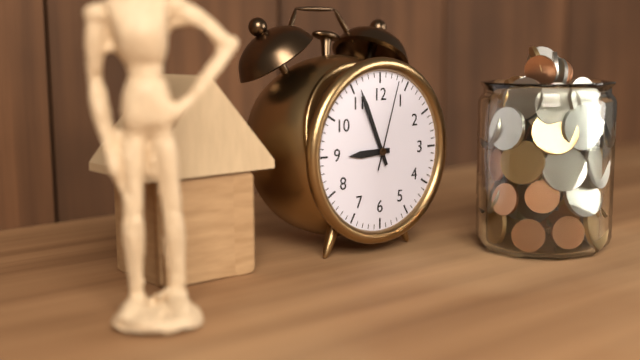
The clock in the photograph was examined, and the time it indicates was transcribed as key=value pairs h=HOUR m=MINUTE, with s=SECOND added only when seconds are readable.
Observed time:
h=8 m=56 s=3
